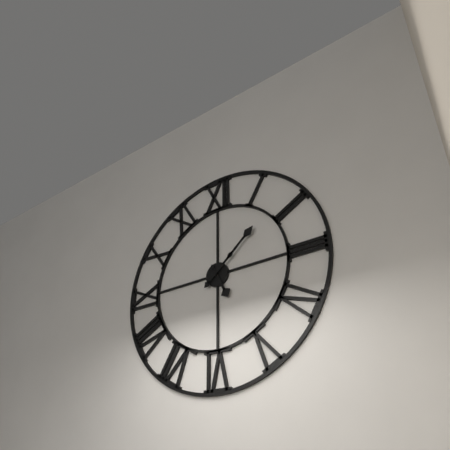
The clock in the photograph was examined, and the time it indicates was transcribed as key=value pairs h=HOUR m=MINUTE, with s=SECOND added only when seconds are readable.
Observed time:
h=5 m=8
